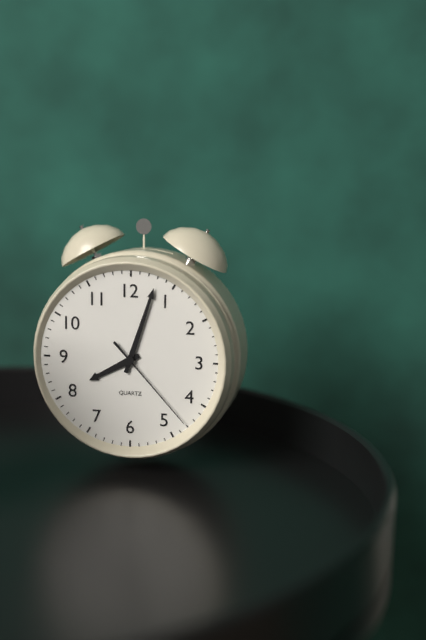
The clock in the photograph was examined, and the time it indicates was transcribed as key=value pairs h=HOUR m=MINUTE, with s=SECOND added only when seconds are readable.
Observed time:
h=8 m=3 s=23
